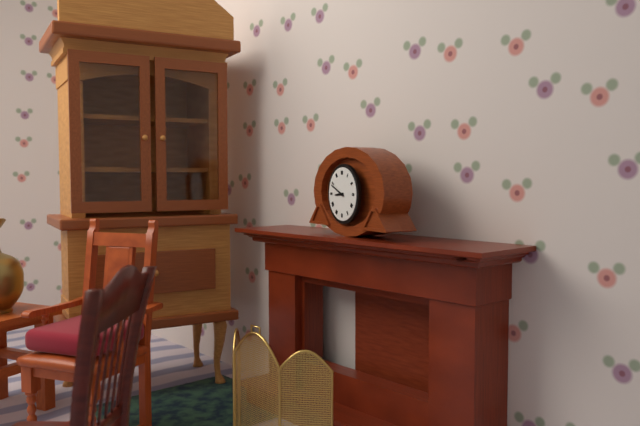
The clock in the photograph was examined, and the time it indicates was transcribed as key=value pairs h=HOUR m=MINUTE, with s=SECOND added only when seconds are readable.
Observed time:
h=8 m=49
